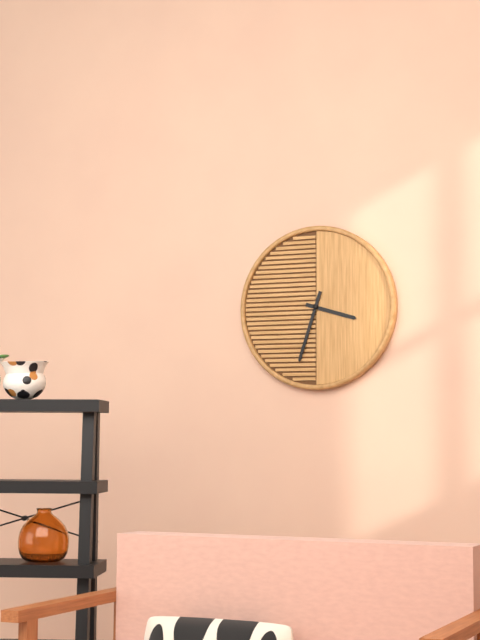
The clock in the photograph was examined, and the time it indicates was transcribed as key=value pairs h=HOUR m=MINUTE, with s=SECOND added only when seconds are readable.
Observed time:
h=3 m=33
